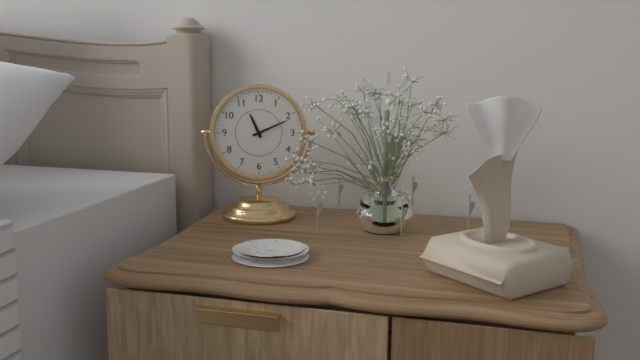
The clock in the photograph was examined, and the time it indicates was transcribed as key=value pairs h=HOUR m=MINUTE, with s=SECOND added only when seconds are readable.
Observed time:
h=11 m=11
